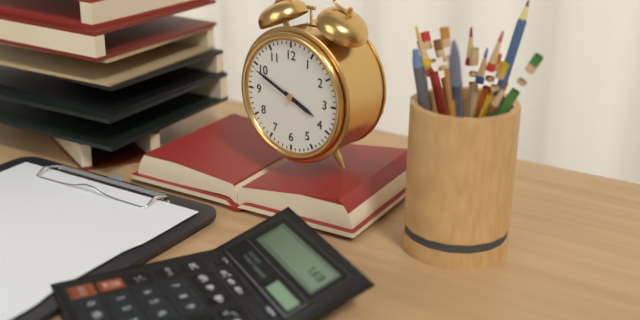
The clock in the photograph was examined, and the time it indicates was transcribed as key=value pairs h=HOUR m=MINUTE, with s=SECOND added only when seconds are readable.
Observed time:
h=3 m=49
